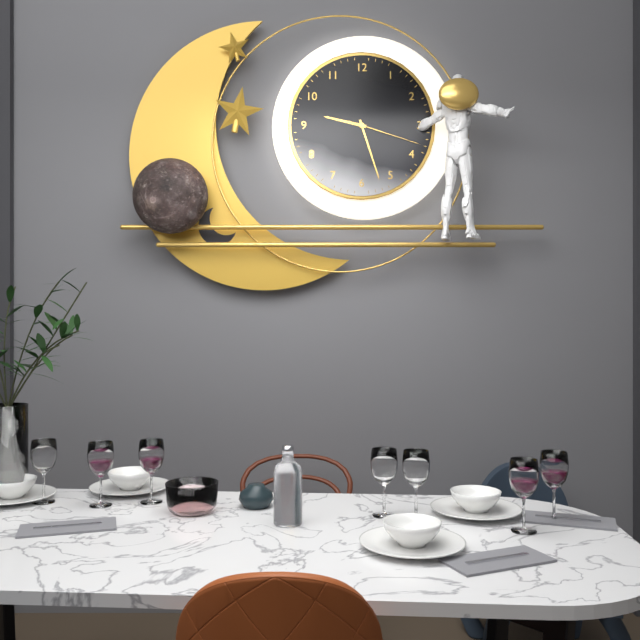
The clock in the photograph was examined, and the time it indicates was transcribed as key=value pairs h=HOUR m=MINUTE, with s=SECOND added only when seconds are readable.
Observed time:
h=9 m=27 s=18
